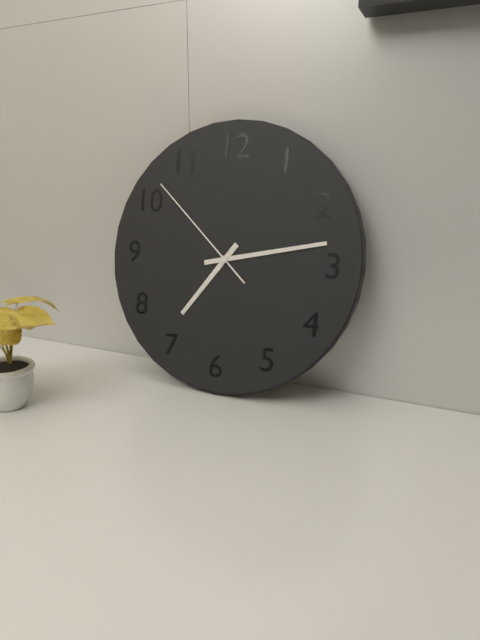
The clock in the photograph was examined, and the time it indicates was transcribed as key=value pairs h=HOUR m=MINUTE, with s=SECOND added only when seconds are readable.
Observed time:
h=7 m=13 s=52
